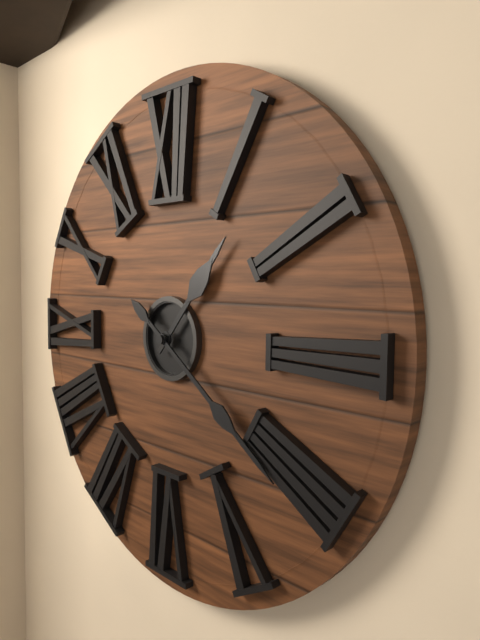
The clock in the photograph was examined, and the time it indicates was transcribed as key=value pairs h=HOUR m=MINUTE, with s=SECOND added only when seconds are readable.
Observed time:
h=1 m=21
